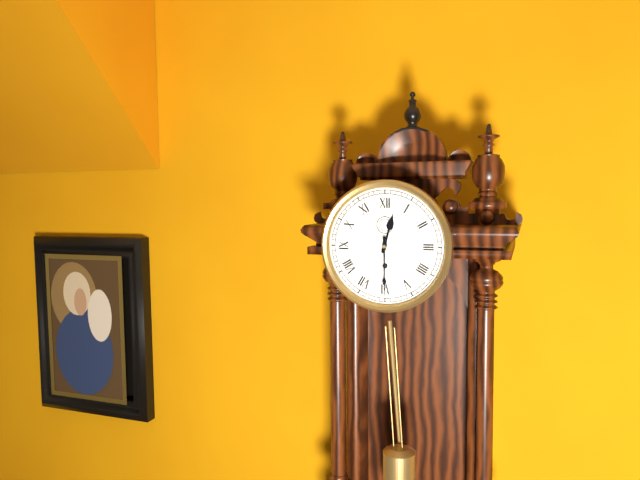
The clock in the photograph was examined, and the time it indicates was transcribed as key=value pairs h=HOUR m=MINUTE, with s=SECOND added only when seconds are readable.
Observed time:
h=12 m=30
